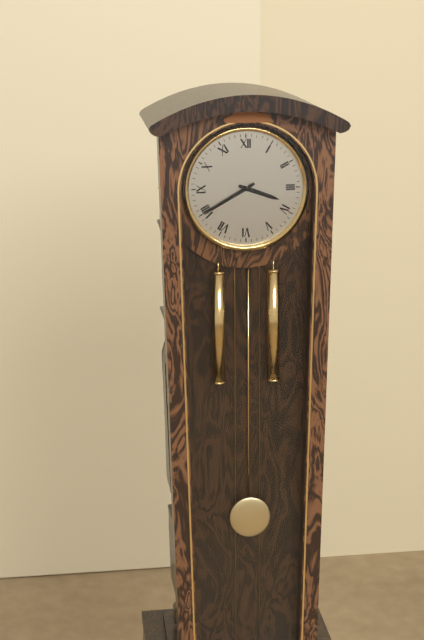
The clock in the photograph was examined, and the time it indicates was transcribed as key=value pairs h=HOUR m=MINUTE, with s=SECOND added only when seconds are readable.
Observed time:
h=3 m=40
